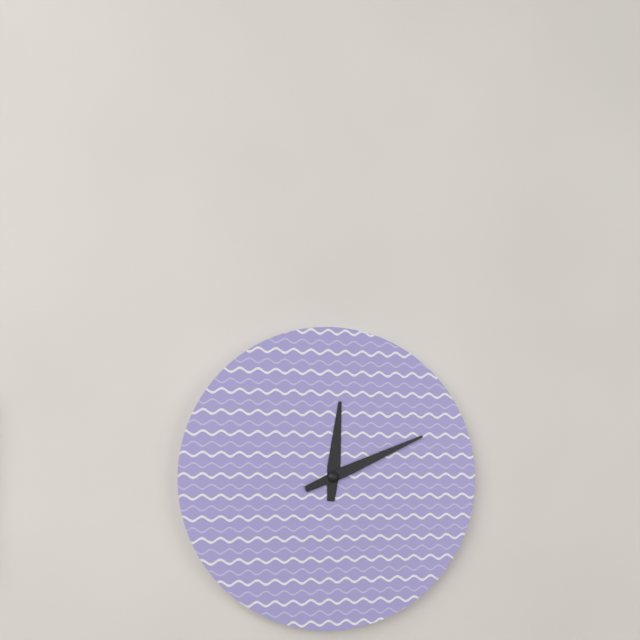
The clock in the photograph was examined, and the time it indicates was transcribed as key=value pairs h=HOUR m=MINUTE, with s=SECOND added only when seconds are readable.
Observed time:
h=12 m=11
